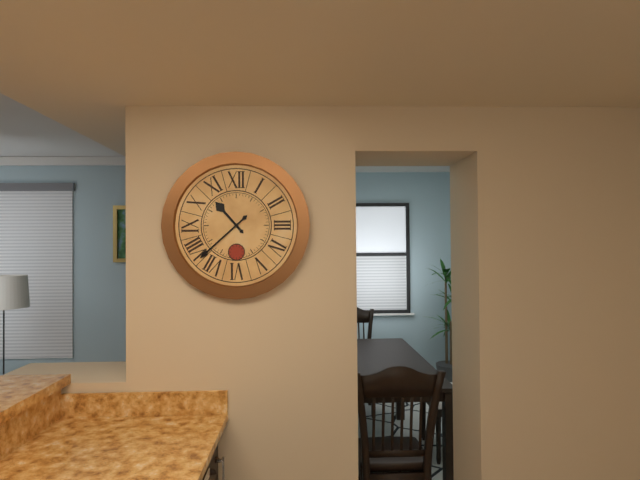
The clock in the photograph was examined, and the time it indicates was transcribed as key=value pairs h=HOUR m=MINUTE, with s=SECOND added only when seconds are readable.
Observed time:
h=10 m=38
